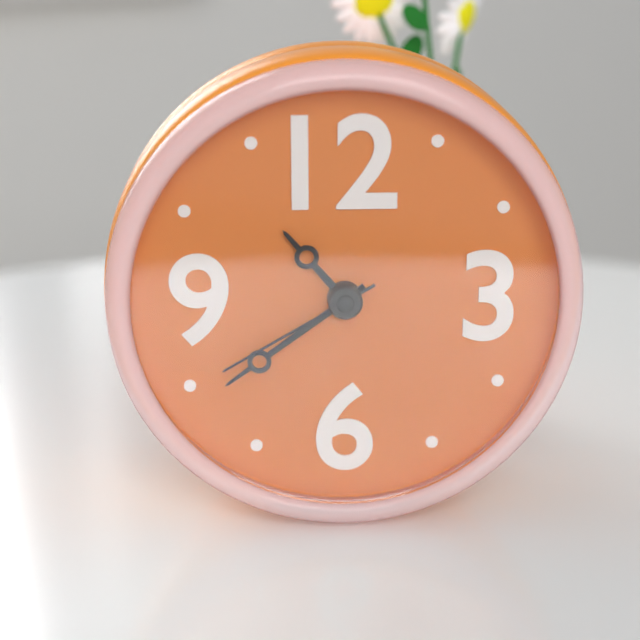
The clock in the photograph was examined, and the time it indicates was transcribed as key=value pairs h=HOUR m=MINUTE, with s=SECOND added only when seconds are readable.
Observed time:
h=10 m=39 s=40
